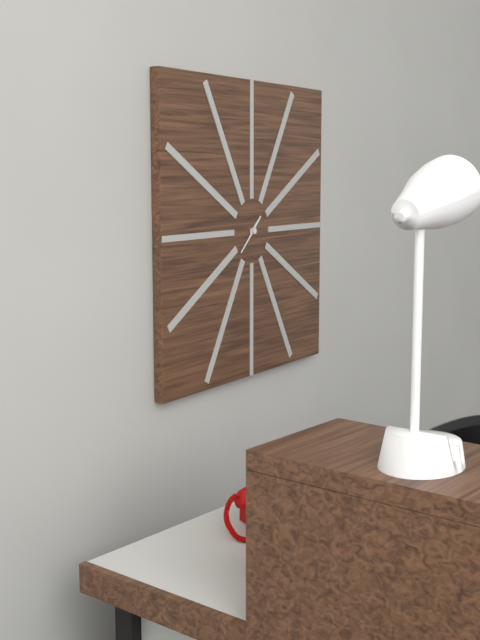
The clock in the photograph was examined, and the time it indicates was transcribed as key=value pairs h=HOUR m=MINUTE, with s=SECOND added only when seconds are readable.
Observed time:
h=1 m=38
